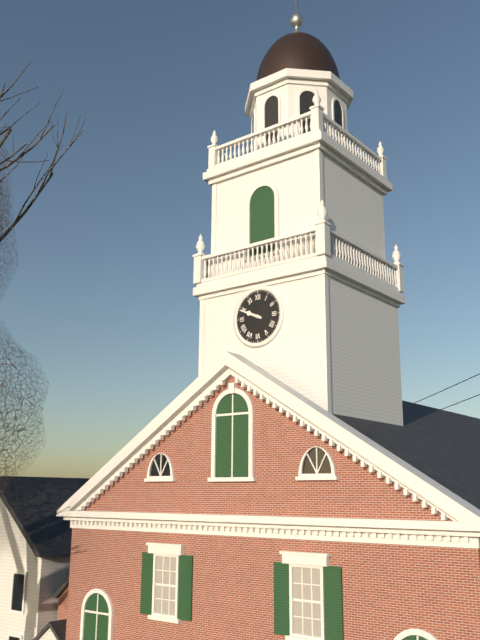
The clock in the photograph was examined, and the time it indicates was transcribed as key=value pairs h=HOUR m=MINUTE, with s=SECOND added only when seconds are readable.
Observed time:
h=9 m=49
